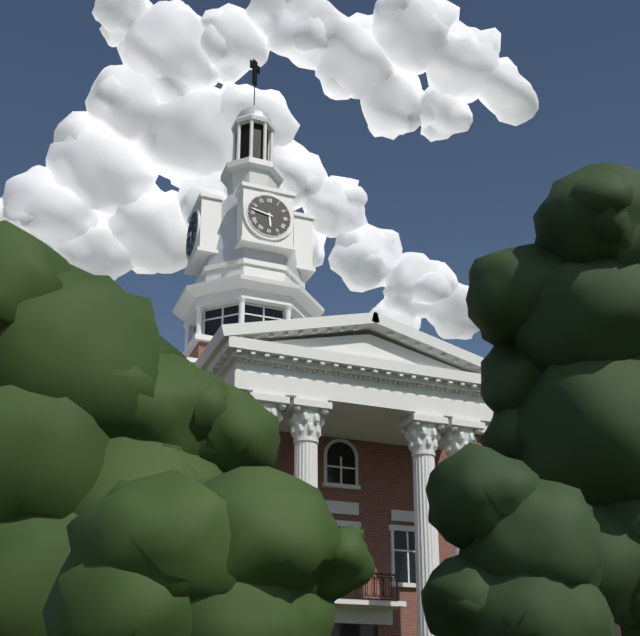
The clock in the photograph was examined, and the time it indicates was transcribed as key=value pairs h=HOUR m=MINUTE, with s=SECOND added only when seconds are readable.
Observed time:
h=5 m=47
